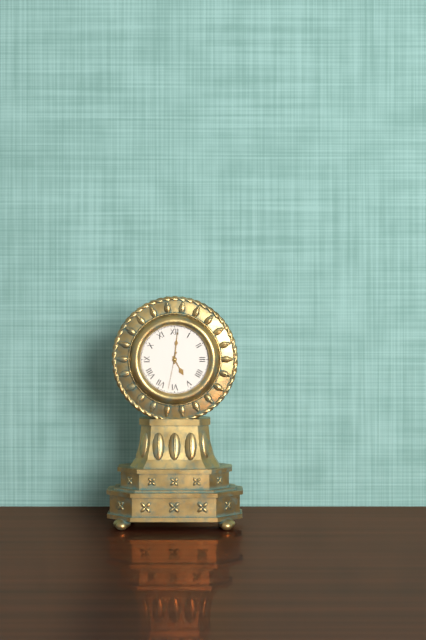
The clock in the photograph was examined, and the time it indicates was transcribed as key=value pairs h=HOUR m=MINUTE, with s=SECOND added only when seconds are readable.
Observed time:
h=5 m=1
